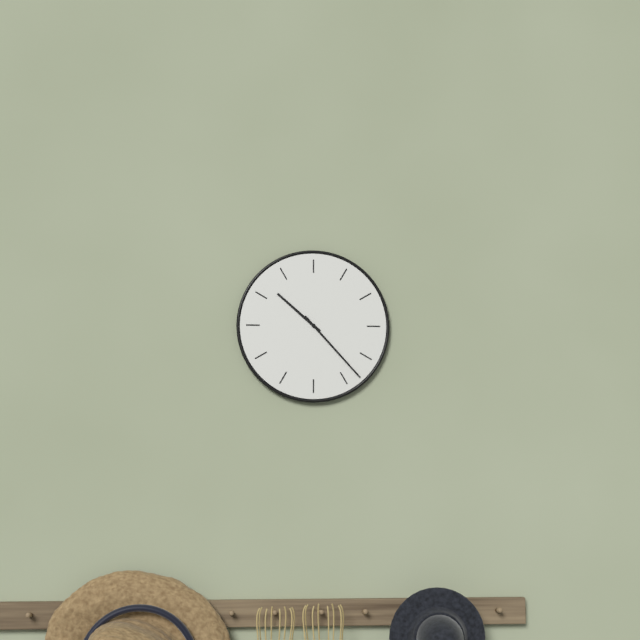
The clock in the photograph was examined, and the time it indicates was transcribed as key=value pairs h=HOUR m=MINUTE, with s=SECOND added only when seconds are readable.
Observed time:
h=10 m=23
